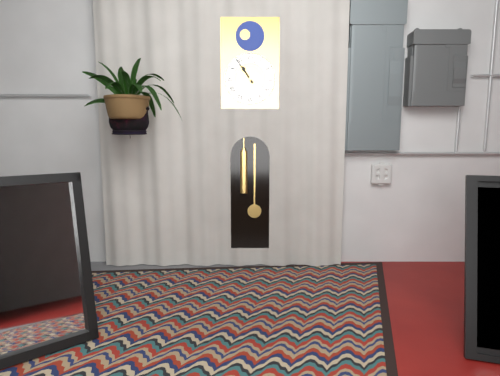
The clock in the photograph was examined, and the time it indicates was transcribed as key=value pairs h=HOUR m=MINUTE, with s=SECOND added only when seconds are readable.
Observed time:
h=10 m=54
